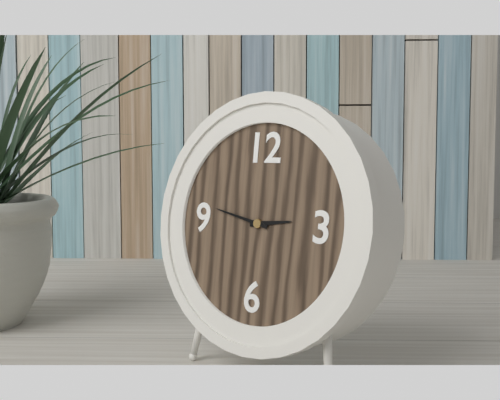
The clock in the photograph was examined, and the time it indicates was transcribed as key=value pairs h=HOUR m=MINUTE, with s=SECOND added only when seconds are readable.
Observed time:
h=2 m=47
